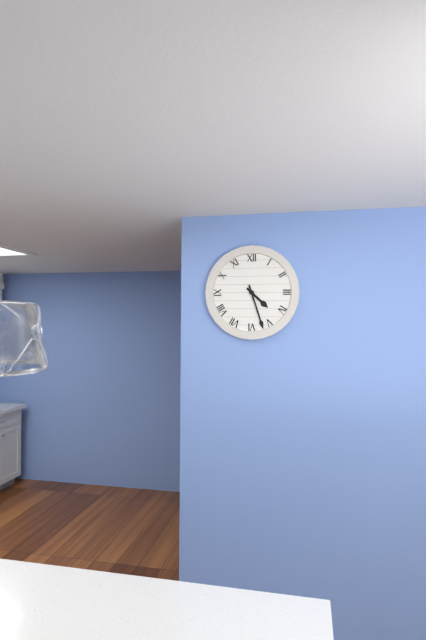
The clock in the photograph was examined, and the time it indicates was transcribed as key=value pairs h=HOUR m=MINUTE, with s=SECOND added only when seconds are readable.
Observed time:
h=4 m=27
